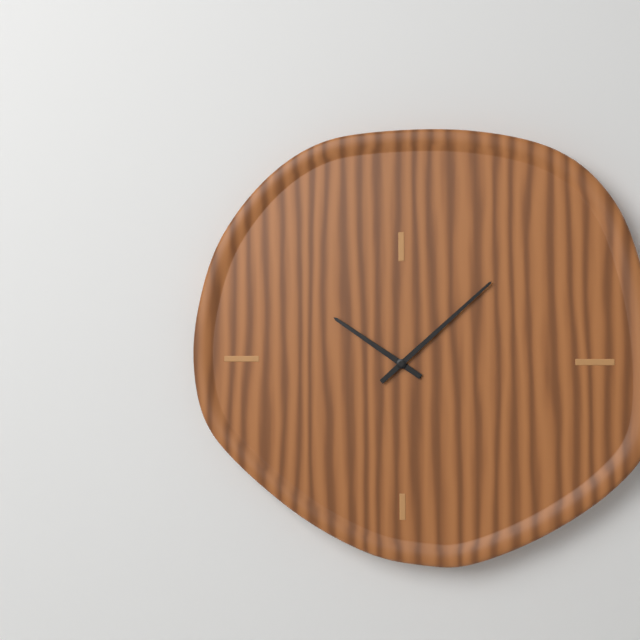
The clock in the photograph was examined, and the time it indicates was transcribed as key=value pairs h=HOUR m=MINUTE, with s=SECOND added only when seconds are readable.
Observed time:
h=10 m=8
